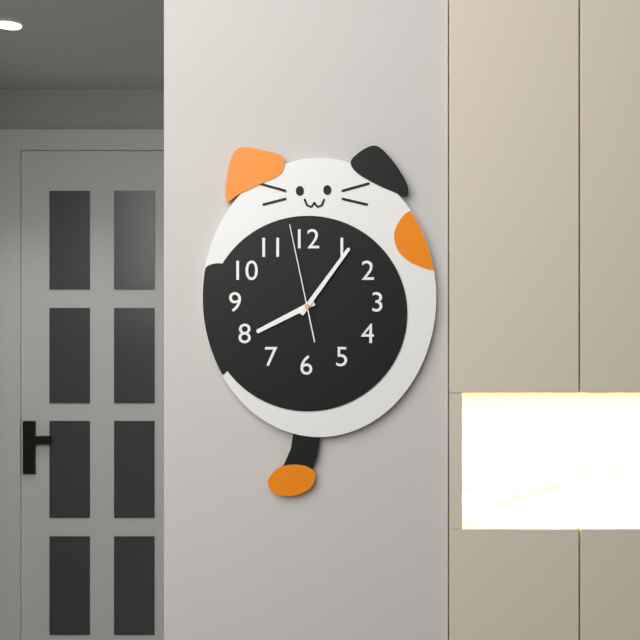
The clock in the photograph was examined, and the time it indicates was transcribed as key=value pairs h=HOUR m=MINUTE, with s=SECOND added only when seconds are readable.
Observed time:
h=8 m=6 s=58
